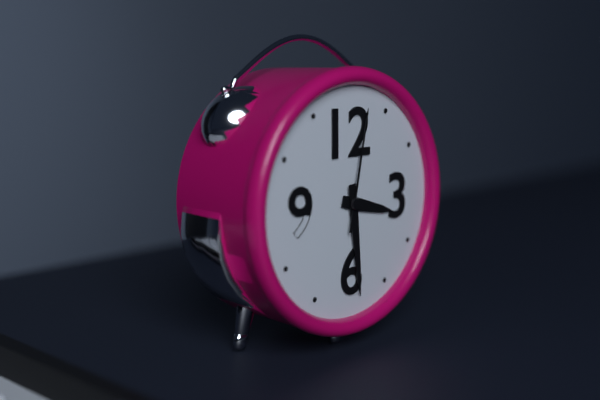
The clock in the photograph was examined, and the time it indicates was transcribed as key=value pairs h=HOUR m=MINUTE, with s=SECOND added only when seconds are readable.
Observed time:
h=3 m=29 s=2
